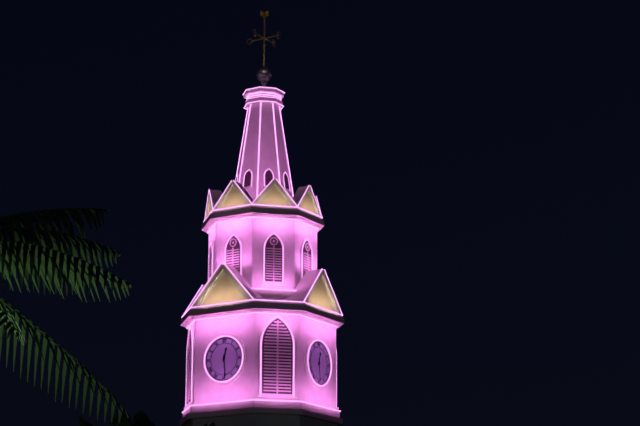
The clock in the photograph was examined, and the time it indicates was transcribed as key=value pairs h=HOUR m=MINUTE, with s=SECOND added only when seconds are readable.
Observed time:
h=12 m=29
